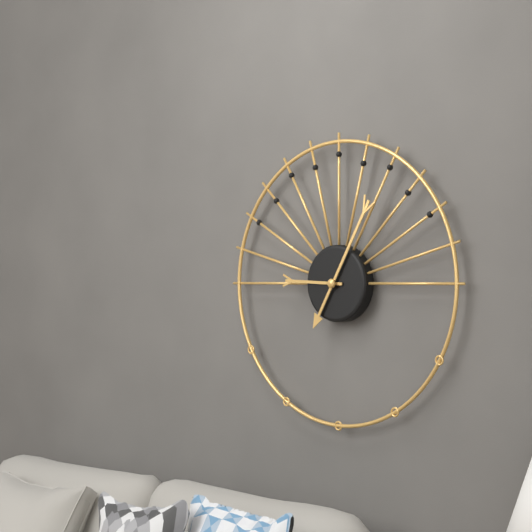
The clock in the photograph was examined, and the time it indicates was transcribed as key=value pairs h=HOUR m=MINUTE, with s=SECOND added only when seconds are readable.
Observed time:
h=9 m=5
